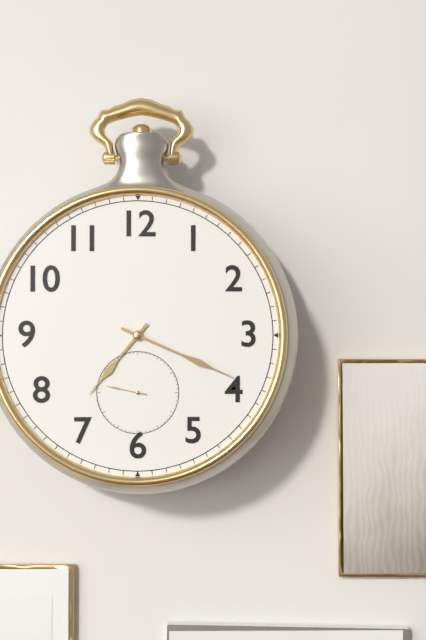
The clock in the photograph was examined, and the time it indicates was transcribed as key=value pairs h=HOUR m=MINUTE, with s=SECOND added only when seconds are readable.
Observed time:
h=7 m=19
